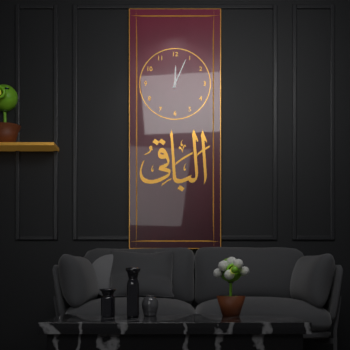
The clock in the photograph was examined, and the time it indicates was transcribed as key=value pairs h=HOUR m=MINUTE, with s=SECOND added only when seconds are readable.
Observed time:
h=12 m=4
